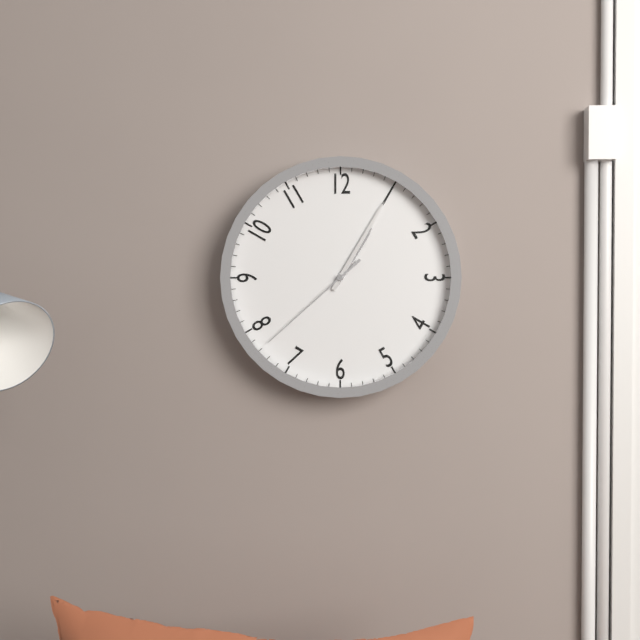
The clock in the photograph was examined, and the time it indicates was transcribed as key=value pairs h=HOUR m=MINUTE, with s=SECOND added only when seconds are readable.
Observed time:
h=1 m=5 s=38
